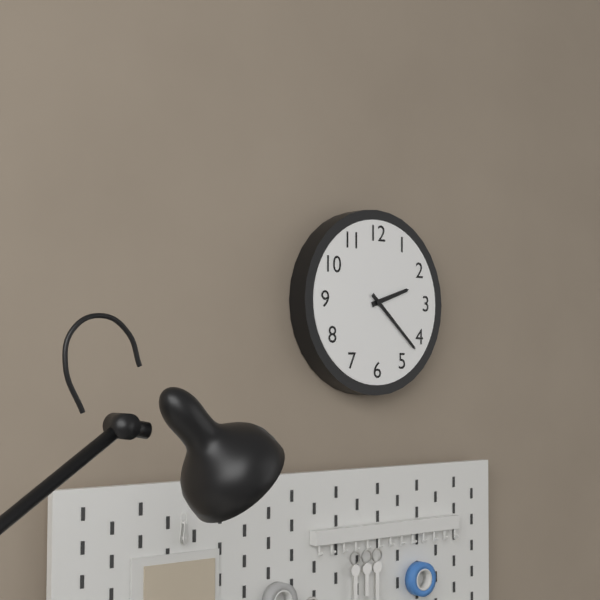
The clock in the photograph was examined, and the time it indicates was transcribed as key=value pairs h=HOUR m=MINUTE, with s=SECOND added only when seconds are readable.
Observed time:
h=2 m=22
